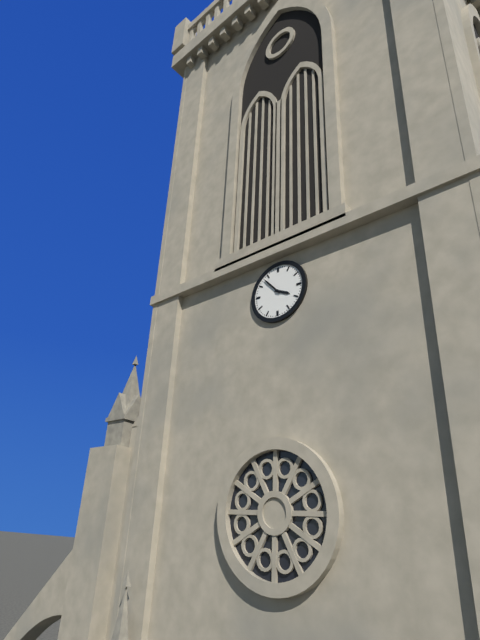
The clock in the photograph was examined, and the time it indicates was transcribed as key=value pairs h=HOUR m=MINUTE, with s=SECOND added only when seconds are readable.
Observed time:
h=3 m=53
